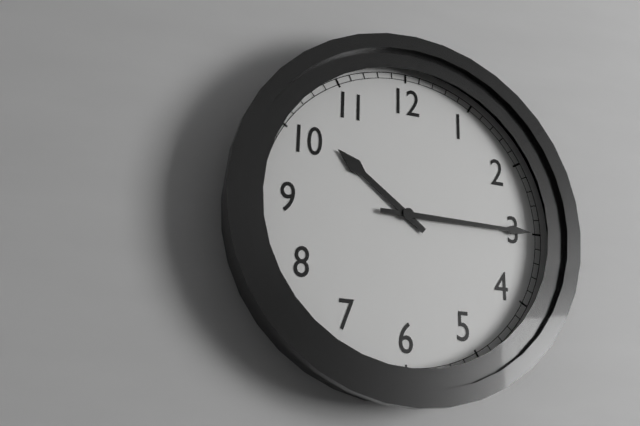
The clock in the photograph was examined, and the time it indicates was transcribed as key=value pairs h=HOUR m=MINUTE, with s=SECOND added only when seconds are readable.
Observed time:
h=10 m=15
